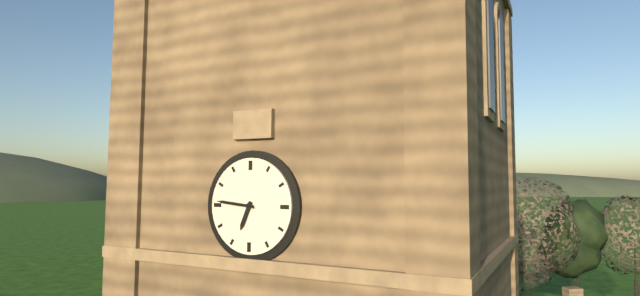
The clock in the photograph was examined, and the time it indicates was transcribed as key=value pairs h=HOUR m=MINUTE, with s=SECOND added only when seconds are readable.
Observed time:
h=6 m=46
